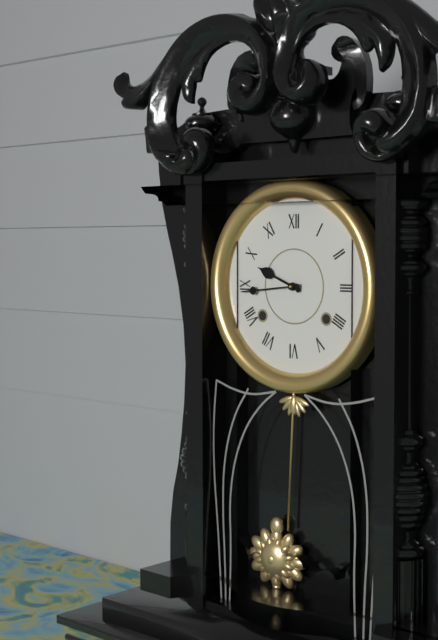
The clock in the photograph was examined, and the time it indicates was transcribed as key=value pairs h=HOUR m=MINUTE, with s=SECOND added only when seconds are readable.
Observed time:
h=9 m=44
